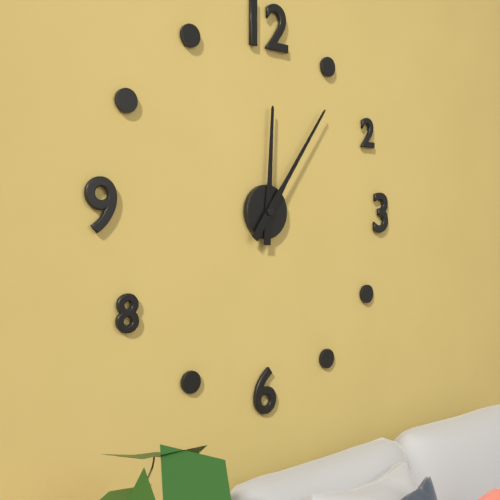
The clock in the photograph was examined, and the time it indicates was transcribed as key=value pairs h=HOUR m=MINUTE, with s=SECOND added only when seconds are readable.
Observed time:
h=12 m=6
